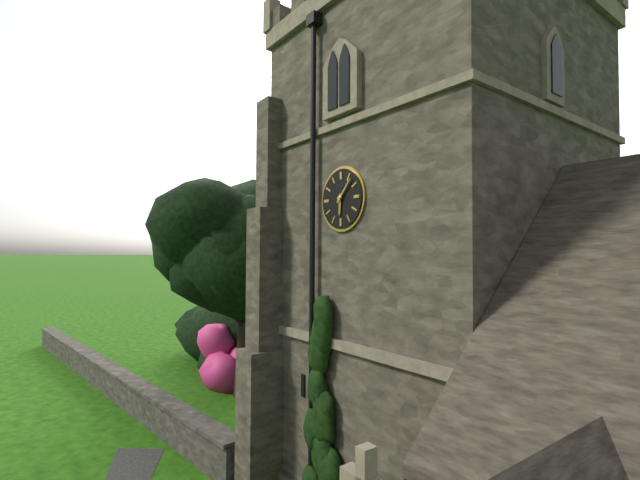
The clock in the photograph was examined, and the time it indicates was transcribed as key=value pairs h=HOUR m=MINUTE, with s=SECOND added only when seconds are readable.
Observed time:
h=6 m=7
